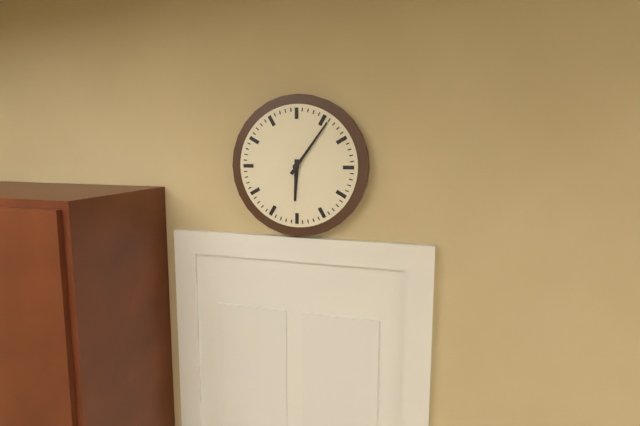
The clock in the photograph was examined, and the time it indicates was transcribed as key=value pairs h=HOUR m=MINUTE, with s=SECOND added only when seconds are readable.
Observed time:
h=6 m=6
